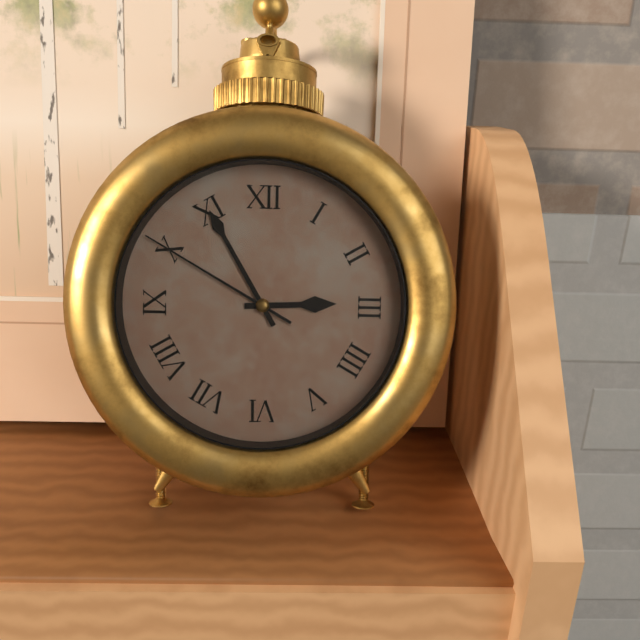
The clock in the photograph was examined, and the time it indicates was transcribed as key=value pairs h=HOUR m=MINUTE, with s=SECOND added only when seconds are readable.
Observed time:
h=2 m=55 s=50
